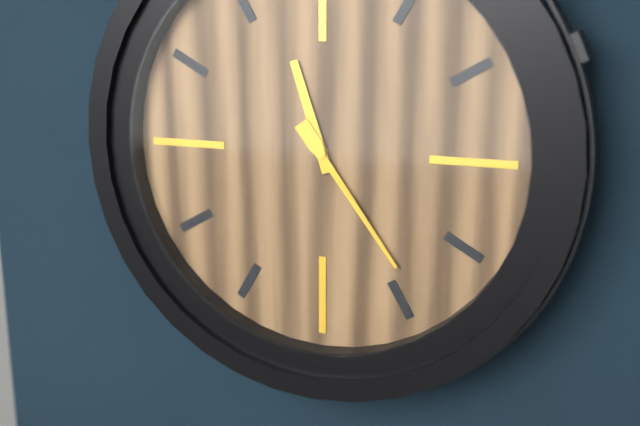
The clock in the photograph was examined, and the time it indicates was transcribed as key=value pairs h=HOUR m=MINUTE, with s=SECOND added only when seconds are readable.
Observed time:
h=11 m=24
